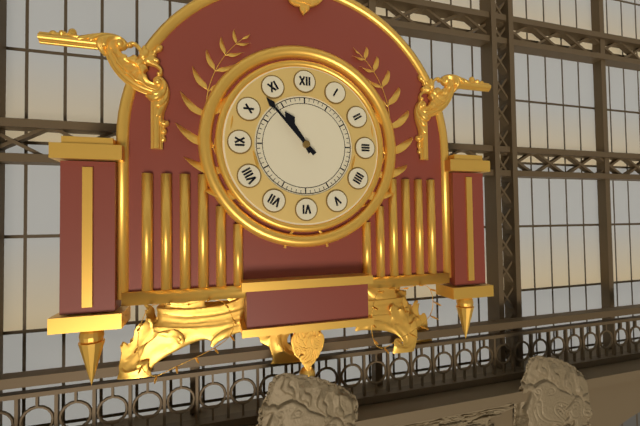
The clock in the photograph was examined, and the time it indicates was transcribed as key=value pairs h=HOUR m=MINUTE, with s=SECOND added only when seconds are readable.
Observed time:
h=10 m=53
